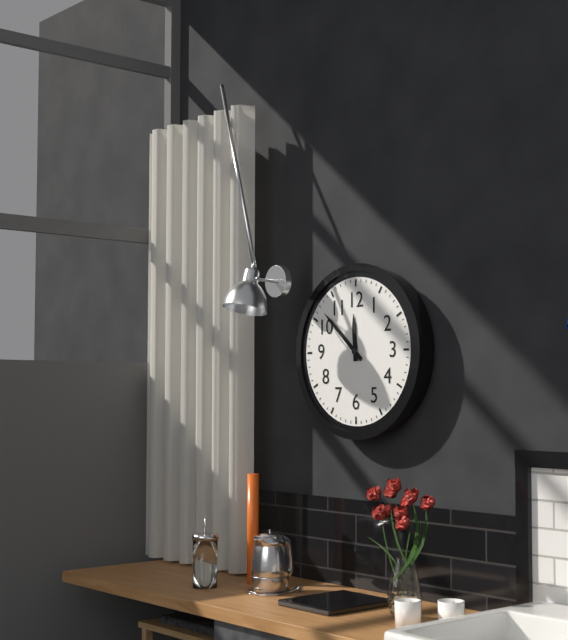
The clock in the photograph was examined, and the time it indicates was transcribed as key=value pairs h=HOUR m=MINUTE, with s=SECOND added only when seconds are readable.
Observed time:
h=11 m=52
